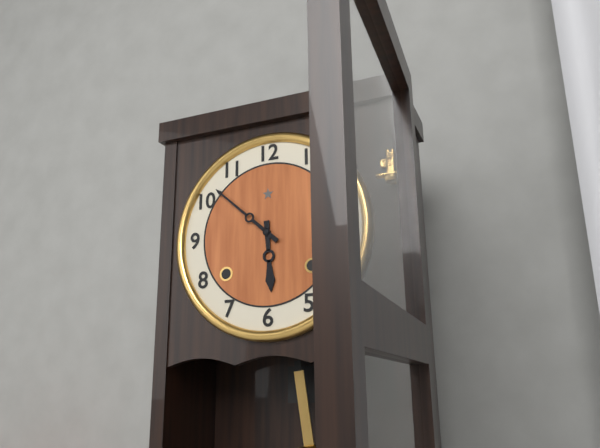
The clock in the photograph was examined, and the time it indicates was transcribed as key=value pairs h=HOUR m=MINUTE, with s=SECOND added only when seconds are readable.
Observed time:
h=5 m=52
